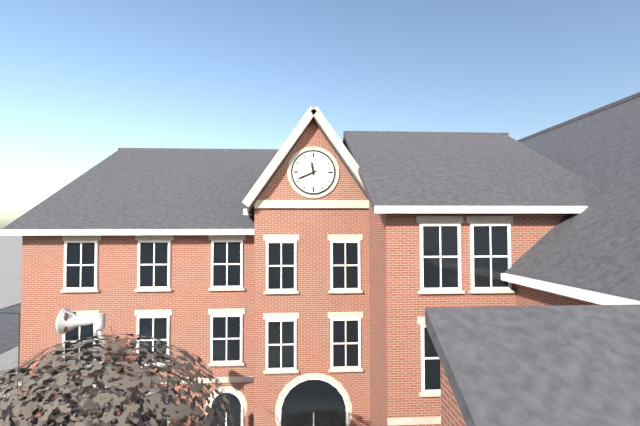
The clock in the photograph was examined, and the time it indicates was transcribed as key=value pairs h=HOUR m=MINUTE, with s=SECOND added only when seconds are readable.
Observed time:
h=11 m=41
